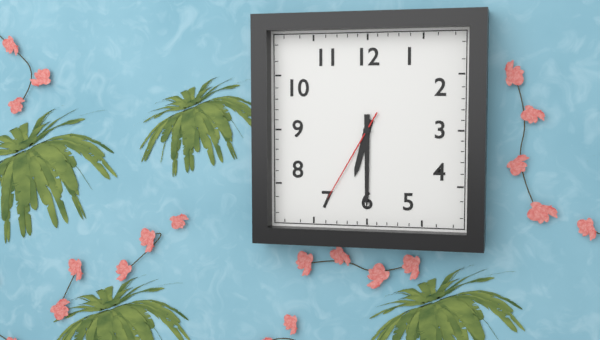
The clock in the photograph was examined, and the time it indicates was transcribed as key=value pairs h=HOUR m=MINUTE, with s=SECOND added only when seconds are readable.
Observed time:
h=6 m=30 s=35
